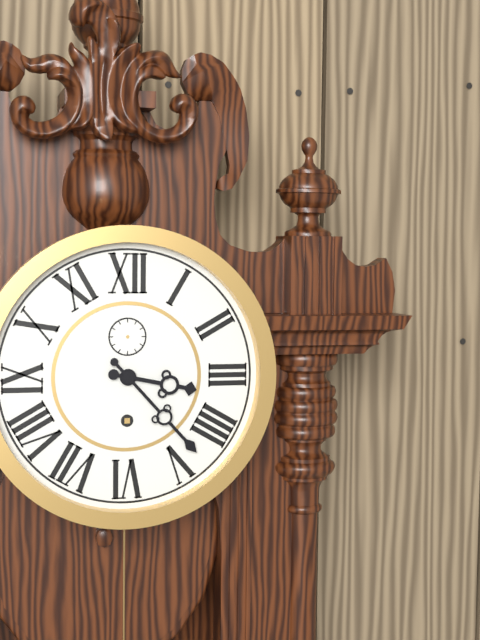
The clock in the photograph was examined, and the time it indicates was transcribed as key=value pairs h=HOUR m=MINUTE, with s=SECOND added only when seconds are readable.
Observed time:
h=3 m=23
